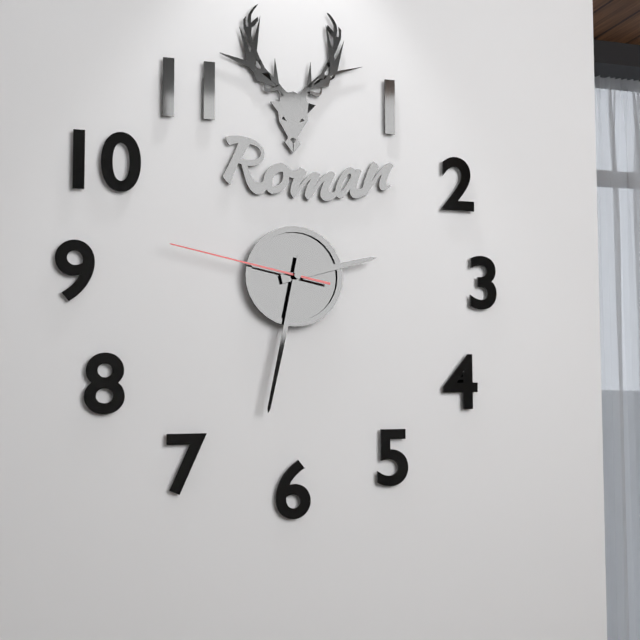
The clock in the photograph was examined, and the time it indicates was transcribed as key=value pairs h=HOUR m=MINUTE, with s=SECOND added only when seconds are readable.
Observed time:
h=2 m=32 s=47
